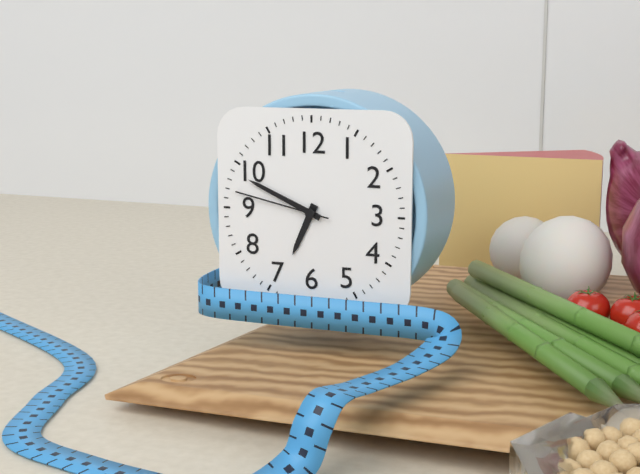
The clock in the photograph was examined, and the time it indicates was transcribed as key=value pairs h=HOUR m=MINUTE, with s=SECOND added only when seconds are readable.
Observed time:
h=6 m=49 s=47
